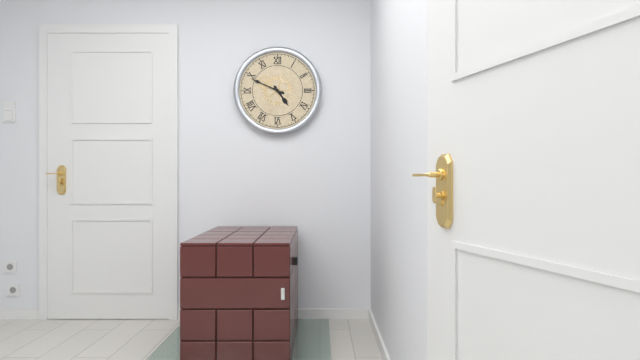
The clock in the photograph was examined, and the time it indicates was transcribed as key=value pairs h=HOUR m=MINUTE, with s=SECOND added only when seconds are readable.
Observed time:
h=4 m=49
